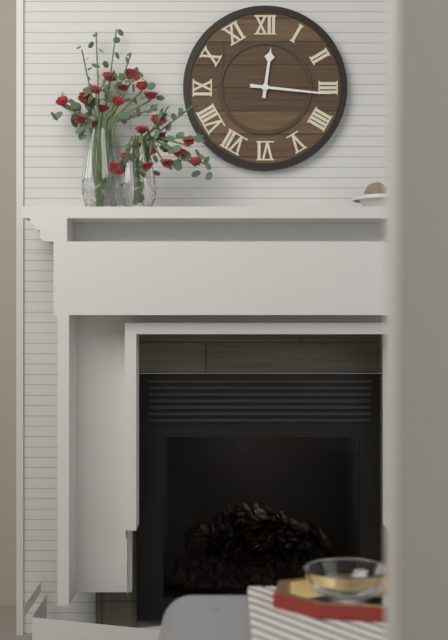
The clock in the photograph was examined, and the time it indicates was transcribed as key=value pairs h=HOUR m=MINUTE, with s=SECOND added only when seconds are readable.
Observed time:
h=12 m=16
